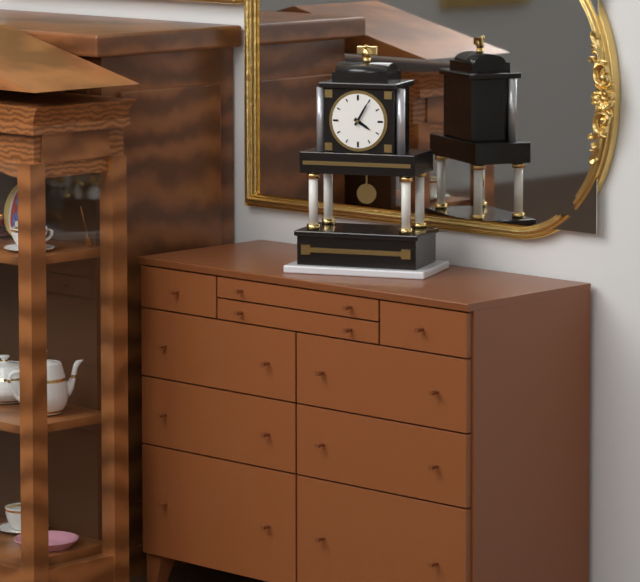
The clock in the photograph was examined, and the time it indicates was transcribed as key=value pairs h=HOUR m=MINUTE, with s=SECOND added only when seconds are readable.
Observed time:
h=4 m=5
